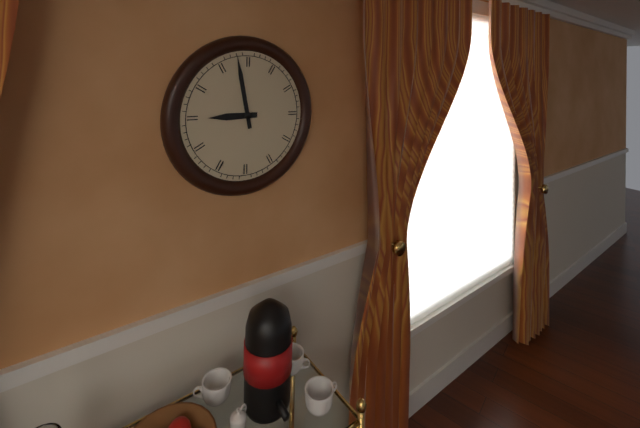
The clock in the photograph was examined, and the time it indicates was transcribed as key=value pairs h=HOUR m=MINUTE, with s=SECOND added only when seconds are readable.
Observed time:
h=8 m=58
